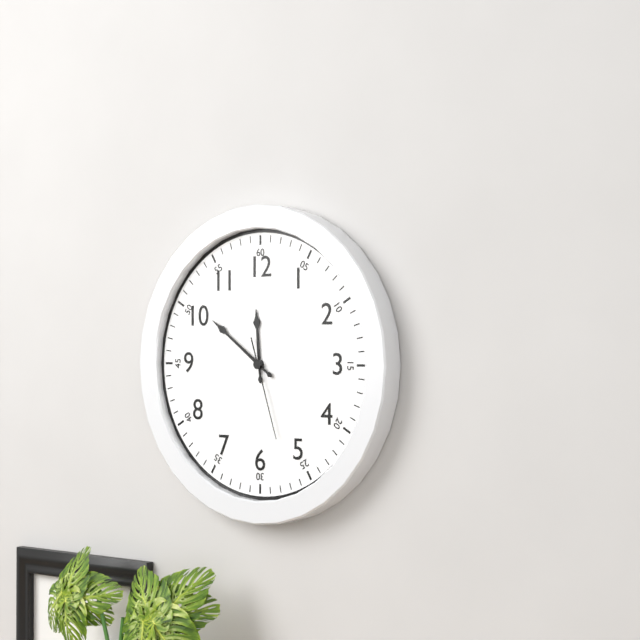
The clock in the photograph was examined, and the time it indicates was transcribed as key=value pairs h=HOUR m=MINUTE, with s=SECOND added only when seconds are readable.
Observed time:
h=11 m=51 s=27
